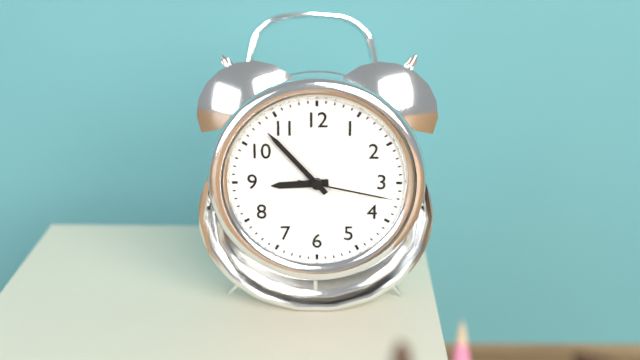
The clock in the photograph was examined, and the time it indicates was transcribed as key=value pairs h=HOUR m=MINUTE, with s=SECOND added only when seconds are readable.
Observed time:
h=8 m=53 s=17
